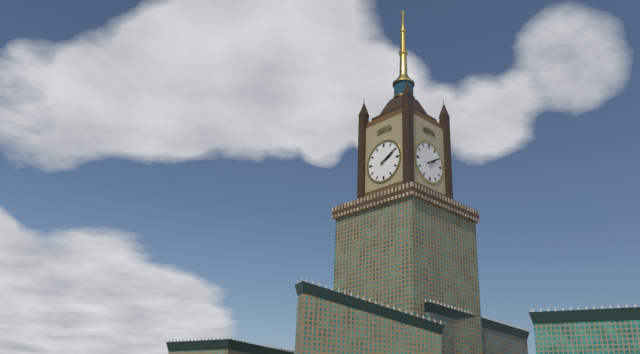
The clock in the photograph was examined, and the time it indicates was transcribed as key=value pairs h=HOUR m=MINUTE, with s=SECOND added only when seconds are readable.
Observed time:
h=2 m=10
